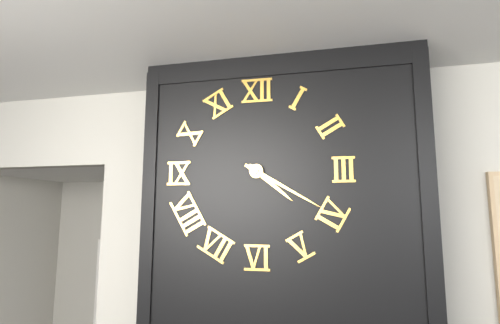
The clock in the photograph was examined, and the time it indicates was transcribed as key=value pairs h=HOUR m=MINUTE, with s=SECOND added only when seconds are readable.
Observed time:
h=4 m=20
